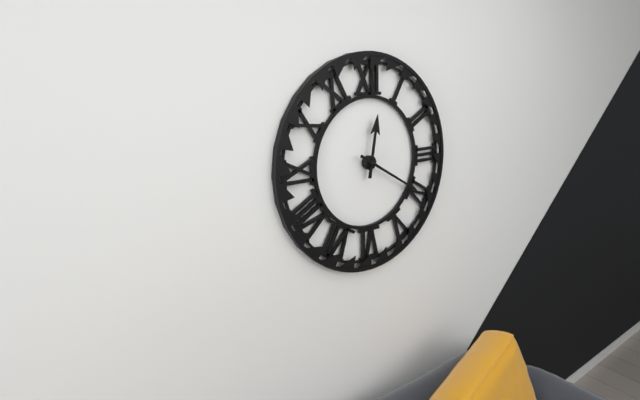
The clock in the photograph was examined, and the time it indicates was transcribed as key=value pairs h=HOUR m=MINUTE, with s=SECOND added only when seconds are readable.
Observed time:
h=12 m=20
